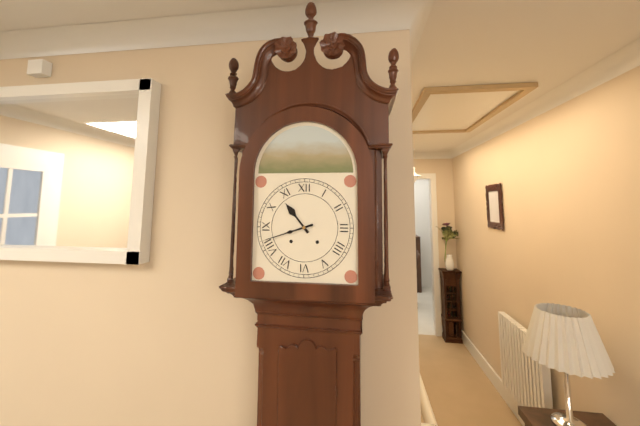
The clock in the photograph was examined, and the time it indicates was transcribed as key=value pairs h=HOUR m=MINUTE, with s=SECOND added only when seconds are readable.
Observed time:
h=10 m=42
